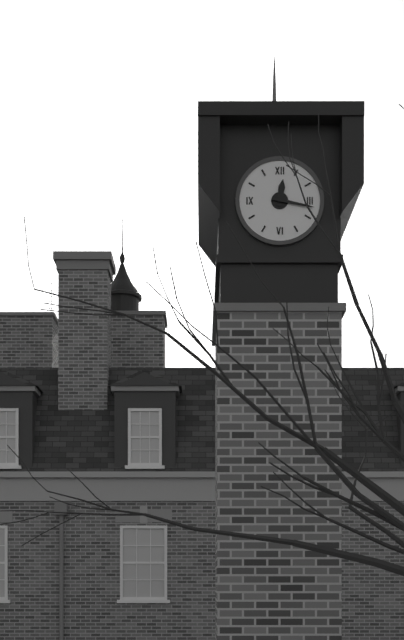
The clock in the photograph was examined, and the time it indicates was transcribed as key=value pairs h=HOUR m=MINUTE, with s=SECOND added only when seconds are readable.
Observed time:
h=12 m=17
